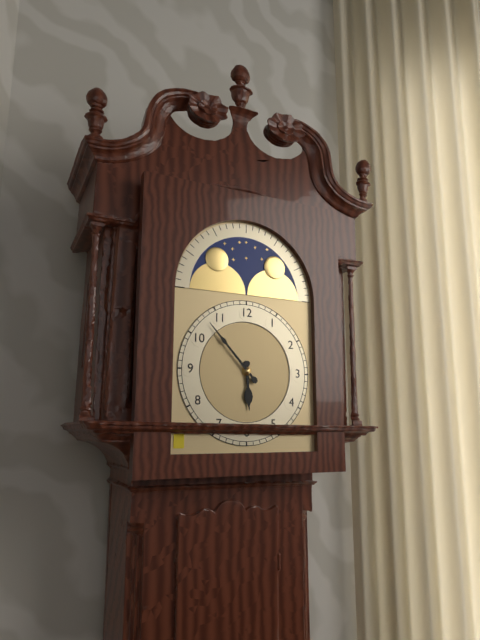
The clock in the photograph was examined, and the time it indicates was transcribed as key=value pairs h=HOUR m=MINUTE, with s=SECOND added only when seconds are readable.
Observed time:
h=5 m=53
